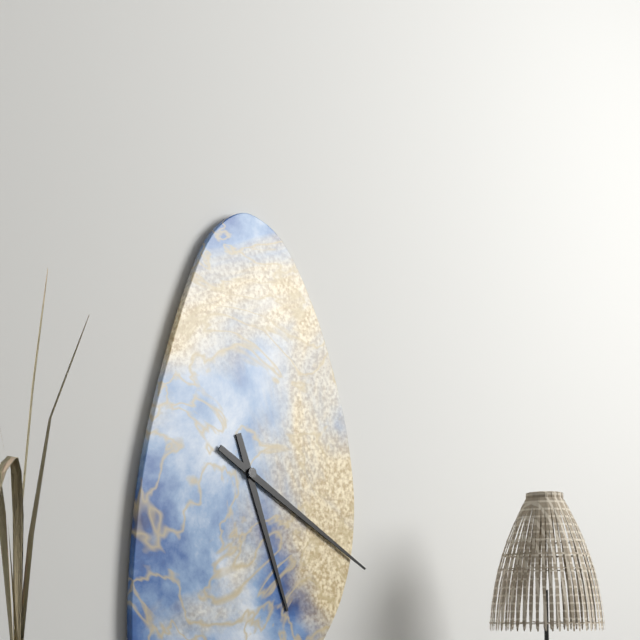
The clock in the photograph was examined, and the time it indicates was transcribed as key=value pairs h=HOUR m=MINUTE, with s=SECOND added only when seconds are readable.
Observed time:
h=5 m=20
